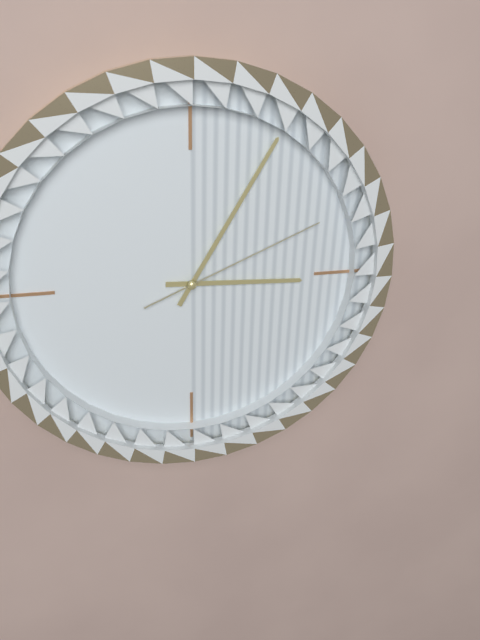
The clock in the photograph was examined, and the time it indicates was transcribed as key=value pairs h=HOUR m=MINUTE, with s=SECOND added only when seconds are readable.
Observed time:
h=3 m=5 s=11
